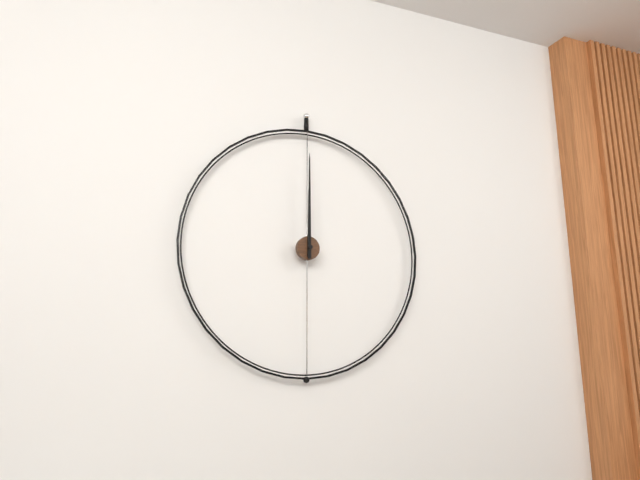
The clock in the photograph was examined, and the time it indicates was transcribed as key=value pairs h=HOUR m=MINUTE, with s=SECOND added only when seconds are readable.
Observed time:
h=12 m=0
